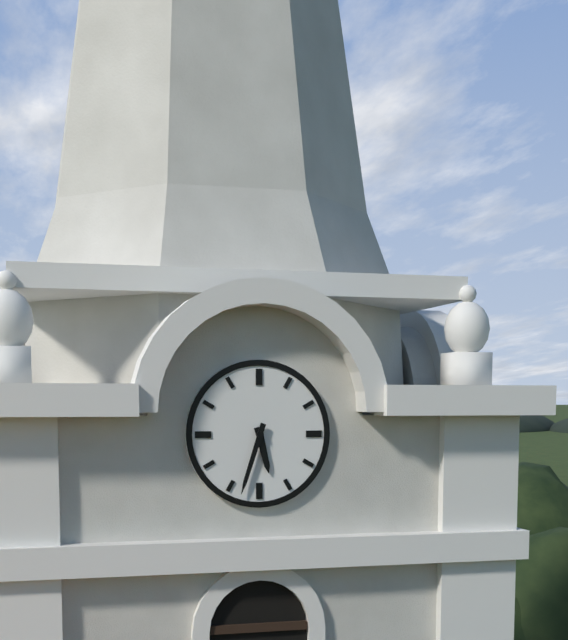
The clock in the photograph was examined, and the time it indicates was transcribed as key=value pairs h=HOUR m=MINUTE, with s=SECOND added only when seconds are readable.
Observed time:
h=5 m=33
